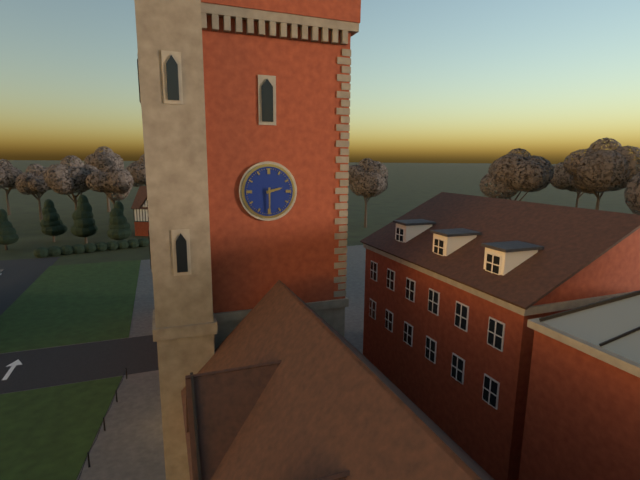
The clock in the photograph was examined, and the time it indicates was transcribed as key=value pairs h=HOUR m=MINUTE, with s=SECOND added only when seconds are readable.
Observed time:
h=2 m=30
